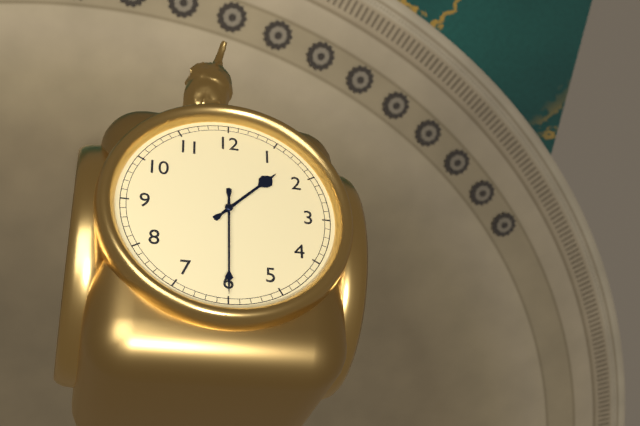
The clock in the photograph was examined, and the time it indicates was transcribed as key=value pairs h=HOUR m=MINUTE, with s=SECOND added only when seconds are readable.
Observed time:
h=1 m=30
